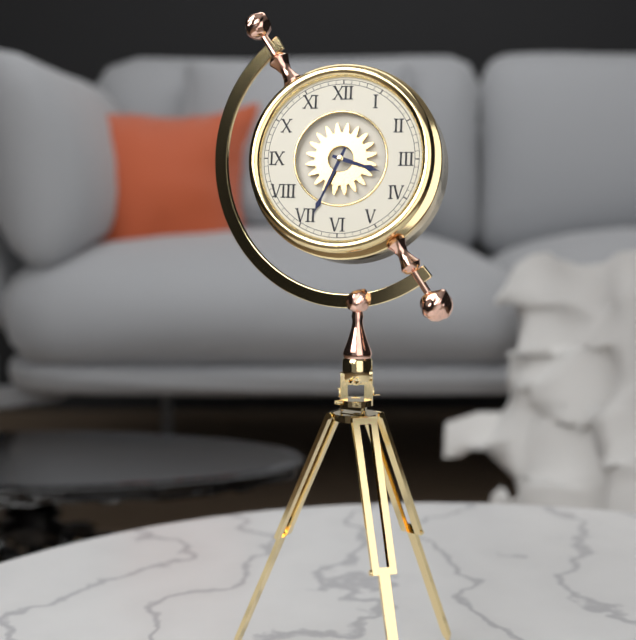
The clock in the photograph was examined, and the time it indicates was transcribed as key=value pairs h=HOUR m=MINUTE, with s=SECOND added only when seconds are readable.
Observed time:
h=3 m=34
